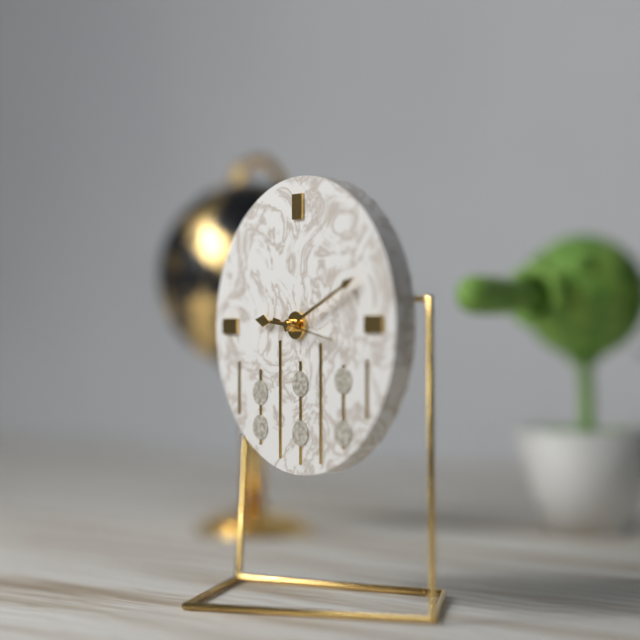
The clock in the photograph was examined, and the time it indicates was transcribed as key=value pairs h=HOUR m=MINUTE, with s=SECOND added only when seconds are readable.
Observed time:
h=9 m=11
